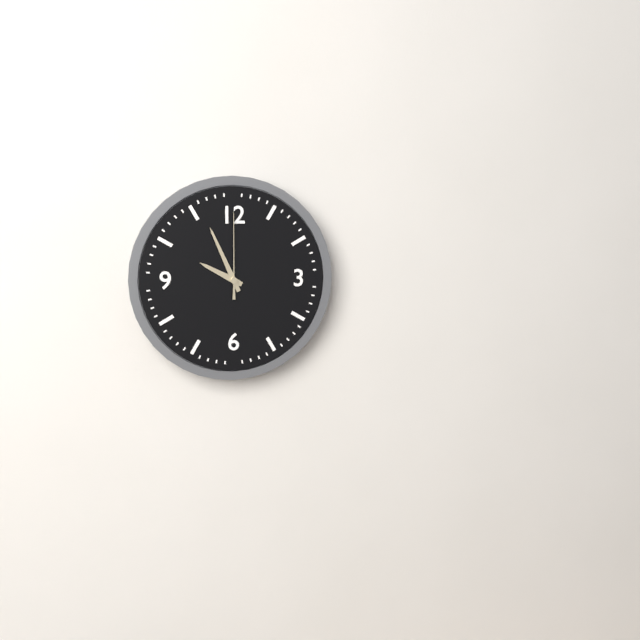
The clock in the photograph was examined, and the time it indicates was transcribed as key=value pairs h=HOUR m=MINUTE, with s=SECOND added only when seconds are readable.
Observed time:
h=9 m=56 s=0
